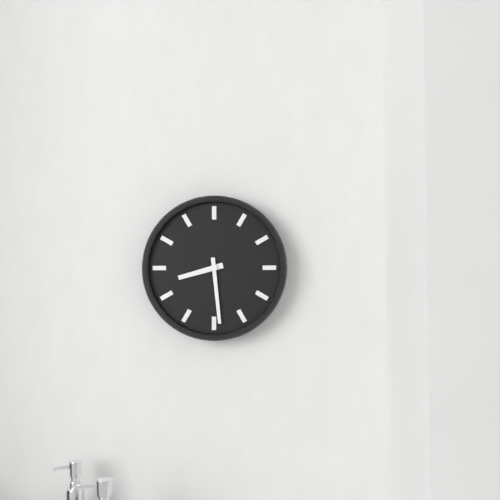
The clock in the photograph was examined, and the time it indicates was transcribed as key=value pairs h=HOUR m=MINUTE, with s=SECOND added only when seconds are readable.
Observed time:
h=8 m=29
